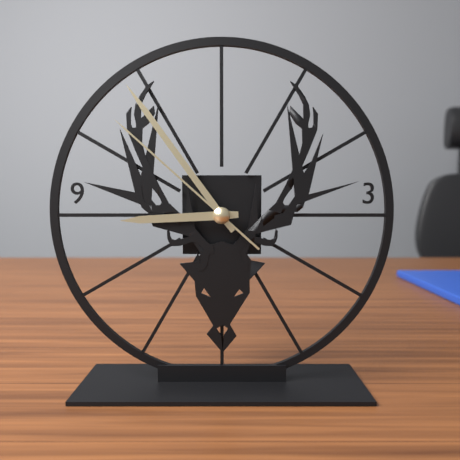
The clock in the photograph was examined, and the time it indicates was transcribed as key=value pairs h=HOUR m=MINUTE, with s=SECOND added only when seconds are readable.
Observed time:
h=8 m=54 s=52
